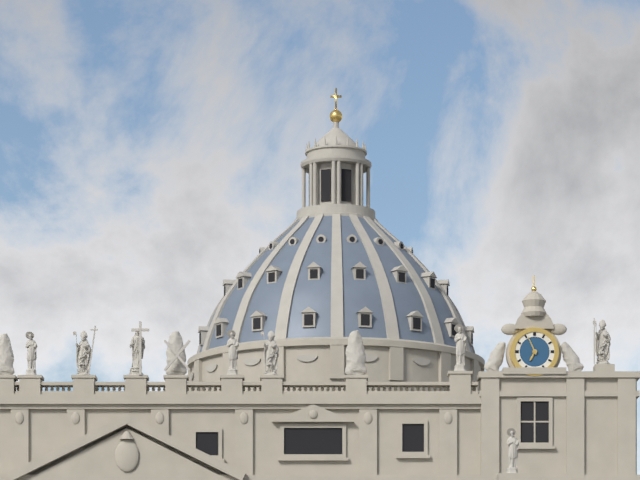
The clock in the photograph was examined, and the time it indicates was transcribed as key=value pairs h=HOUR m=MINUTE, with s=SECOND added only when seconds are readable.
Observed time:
h=6 m=56
